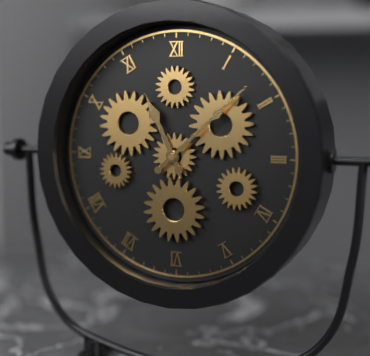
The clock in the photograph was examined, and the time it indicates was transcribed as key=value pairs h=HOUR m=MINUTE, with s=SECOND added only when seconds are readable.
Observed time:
h=11 m=8
